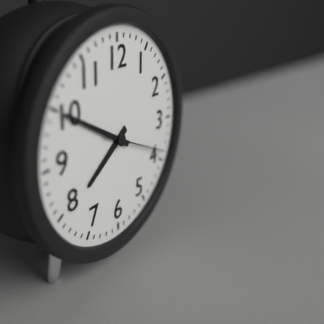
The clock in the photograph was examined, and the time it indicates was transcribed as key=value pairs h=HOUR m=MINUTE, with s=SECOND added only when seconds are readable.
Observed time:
h=7 m=50 s=19
